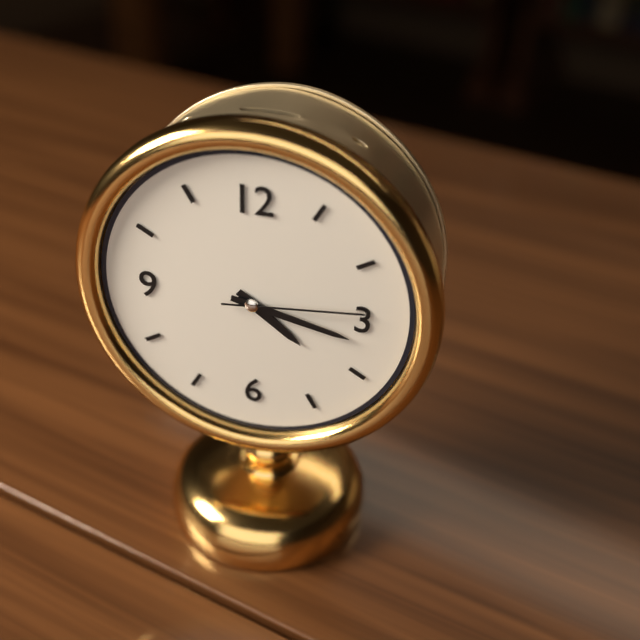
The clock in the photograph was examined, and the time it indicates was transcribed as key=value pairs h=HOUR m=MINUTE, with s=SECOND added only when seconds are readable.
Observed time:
h=4 m=17 s=14
